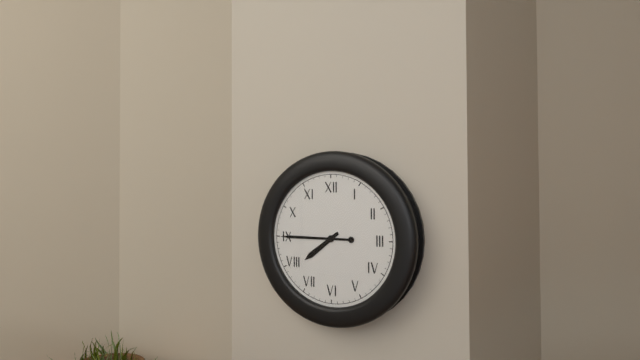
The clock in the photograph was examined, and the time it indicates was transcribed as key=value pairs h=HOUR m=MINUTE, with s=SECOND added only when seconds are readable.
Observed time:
h=7 m=45
